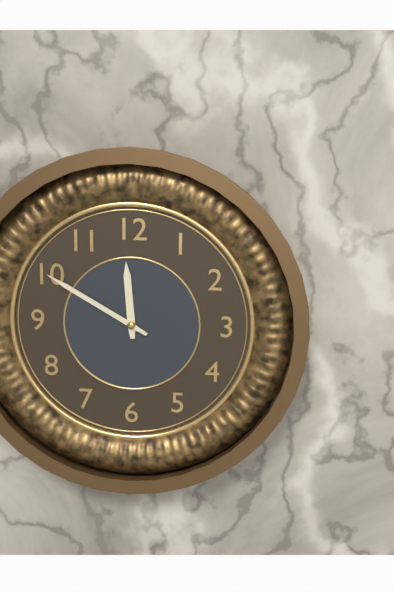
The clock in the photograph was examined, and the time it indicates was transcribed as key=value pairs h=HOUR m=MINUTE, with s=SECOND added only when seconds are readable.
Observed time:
h=11 m=50
